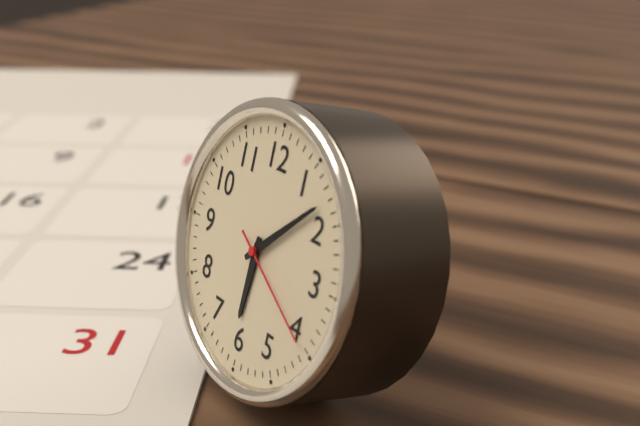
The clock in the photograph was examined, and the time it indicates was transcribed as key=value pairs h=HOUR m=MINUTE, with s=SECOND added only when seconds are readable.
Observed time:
h=6 m=8 s=20
